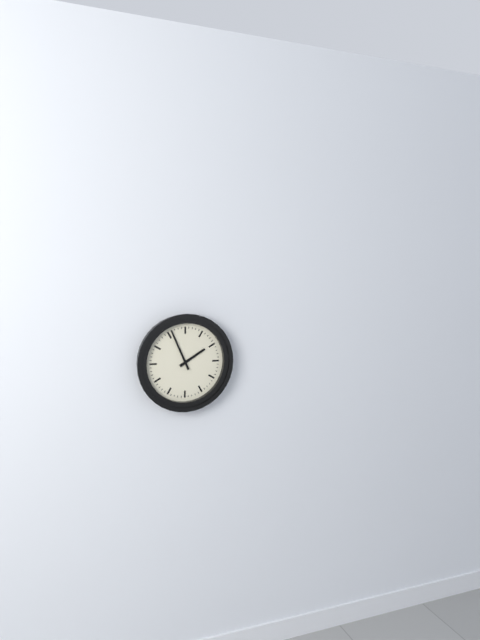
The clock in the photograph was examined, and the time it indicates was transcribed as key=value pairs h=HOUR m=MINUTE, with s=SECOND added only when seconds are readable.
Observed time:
h=1 m=56
